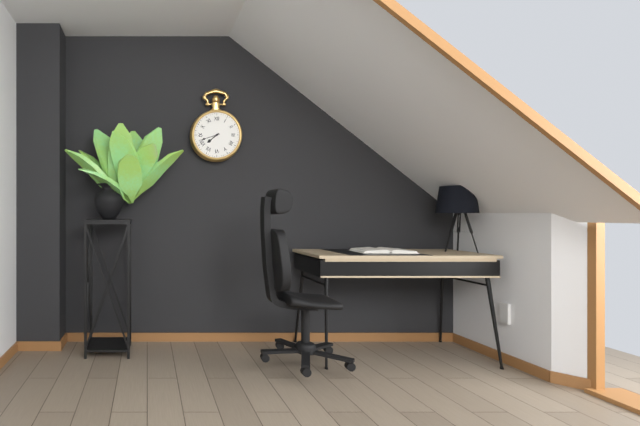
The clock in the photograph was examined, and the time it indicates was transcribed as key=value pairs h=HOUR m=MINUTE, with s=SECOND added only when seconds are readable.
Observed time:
h=7 m=42
